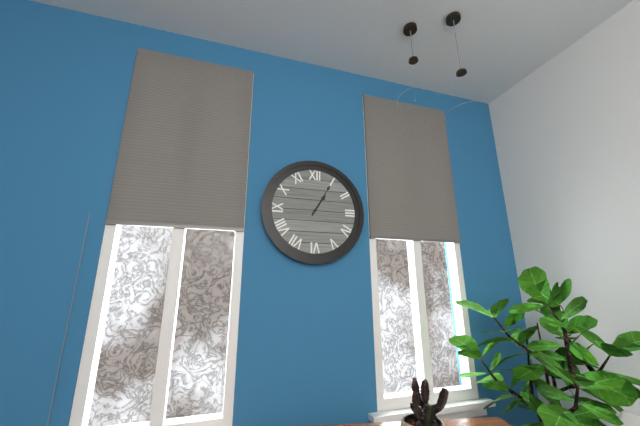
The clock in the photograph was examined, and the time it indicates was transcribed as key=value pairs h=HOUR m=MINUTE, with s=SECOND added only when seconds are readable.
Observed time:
h=1 m=5
